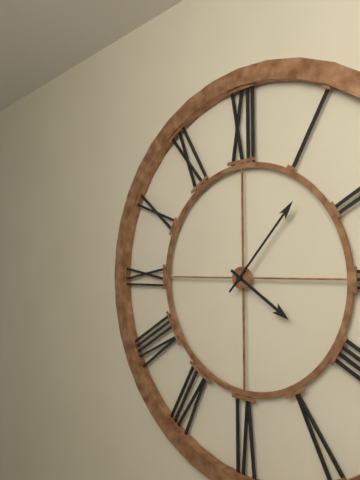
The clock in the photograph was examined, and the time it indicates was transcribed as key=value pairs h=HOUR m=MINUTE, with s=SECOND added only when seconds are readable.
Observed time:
h=4 m=7
